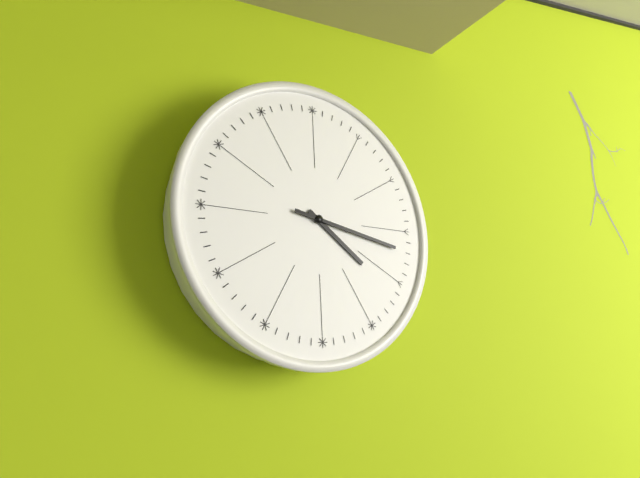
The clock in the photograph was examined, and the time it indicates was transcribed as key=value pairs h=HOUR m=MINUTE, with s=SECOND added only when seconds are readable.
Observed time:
h=4 m=17
